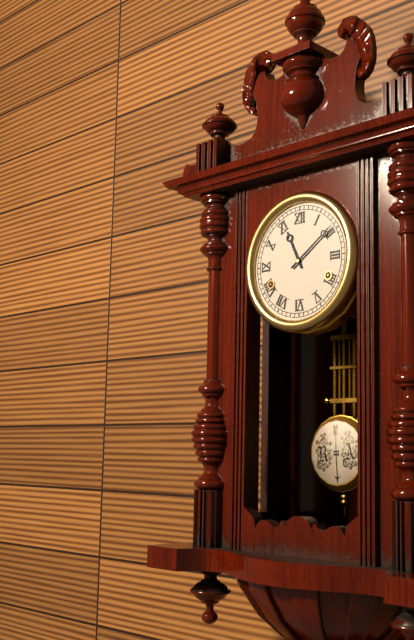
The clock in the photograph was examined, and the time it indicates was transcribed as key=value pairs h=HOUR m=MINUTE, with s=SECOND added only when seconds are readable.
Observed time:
h=11 m=9
